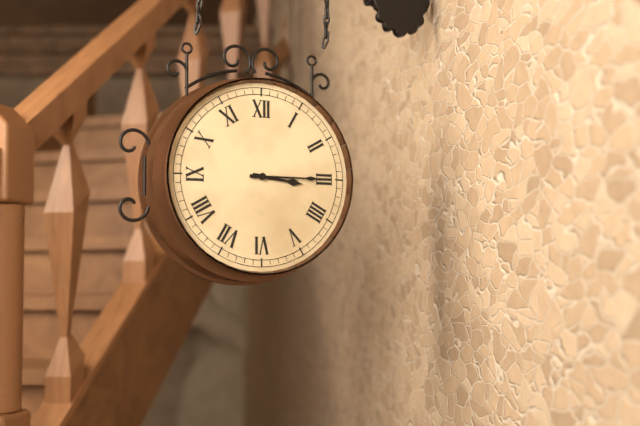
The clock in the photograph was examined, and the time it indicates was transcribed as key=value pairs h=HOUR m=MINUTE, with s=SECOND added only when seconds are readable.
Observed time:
h=3 m=15
